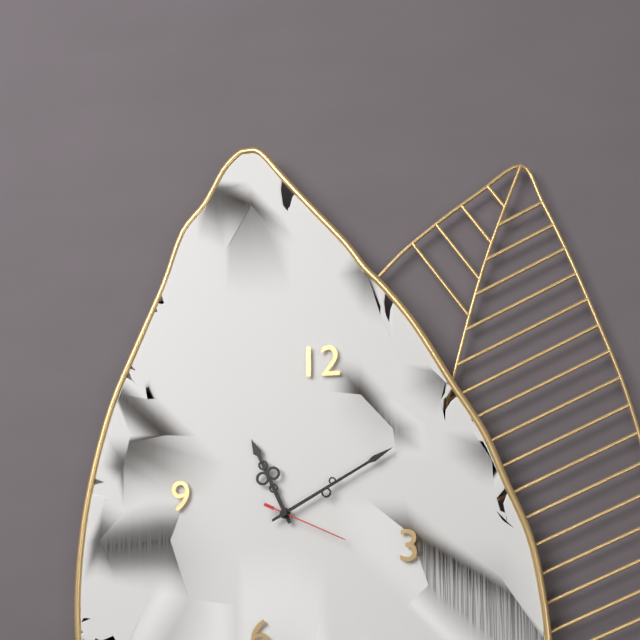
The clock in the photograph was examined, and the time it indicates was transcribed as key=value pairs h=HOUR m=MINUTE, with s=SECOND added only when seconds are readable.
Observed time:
h=11 m=10 s=19
